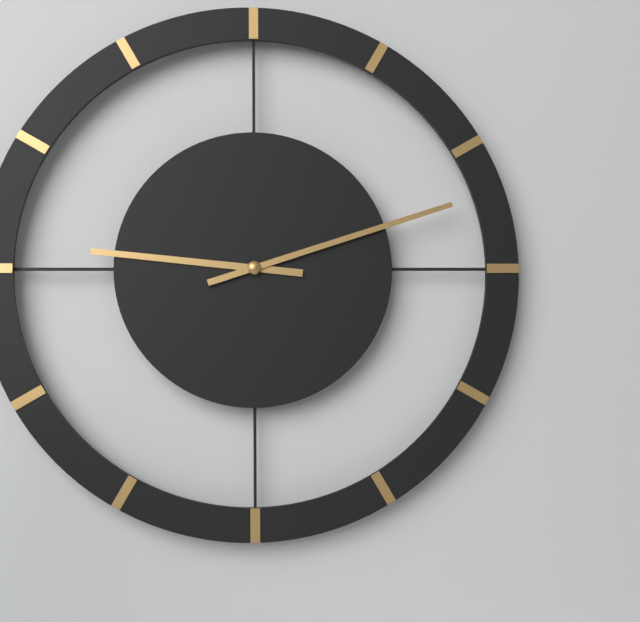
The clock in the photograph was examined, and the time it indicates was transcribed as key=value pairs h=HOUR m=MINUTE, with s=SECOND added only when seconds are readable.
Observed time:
h=9 m=12
